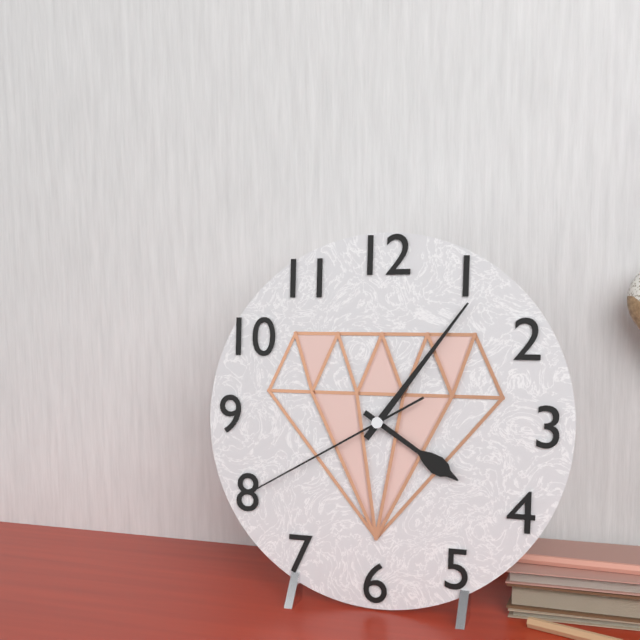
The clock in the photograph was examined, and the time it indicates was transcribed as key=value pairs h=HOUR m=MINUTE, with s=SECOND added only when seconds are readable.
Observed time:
h=4 m=6 s=40
